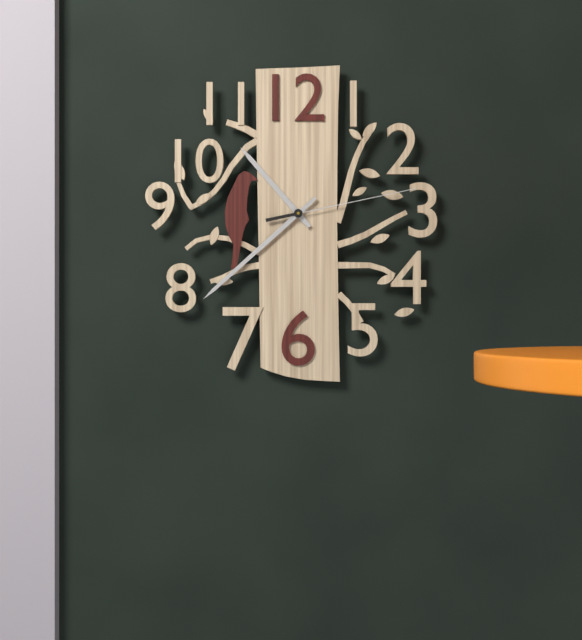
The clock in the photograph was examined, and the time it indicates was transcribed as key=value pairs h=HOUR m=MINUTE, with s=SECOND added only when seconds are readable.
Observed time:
h=10 m=38 s=13
